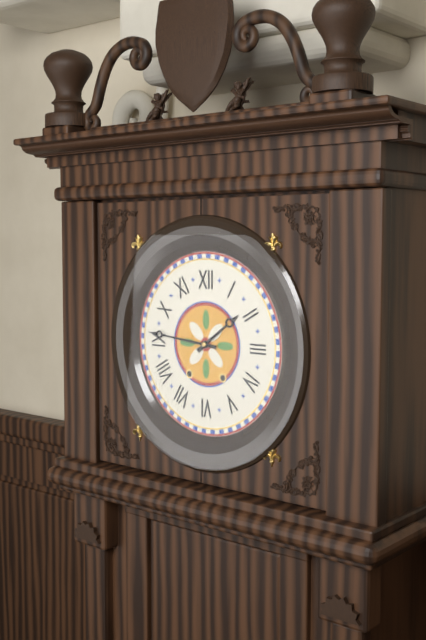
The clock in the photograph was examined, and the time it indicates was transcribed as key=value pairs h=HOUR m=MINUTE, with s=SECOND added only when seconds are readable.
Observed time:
h=1 m=46
